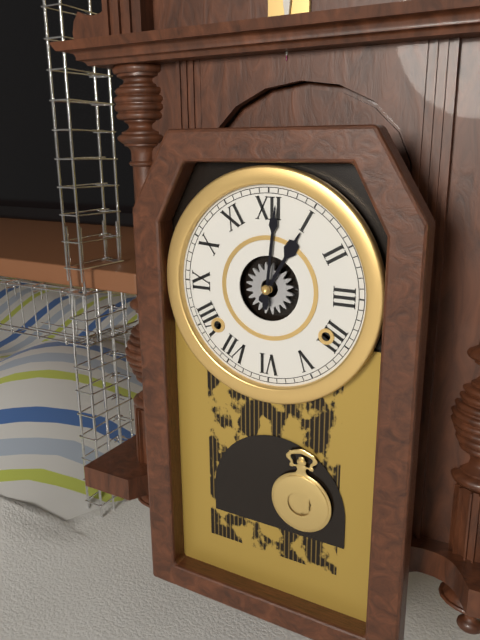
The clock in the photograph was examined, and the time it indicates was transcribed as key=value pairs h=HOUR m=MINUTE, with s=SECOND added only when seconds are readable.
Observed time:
h=1 m=1
